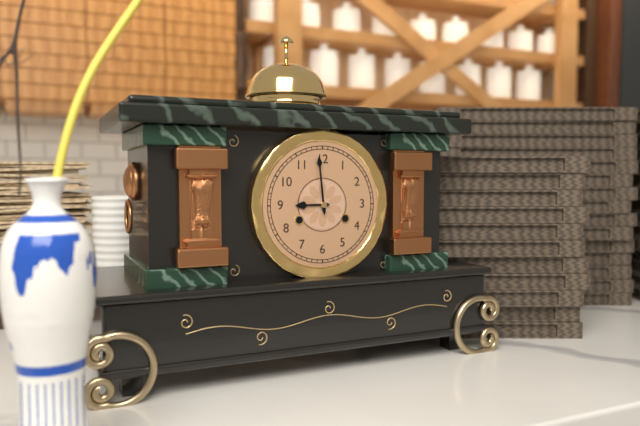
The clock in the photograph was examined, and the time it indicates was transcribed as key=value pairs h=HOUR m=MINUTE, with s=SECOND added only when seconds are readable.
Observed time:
h=8 m=59
